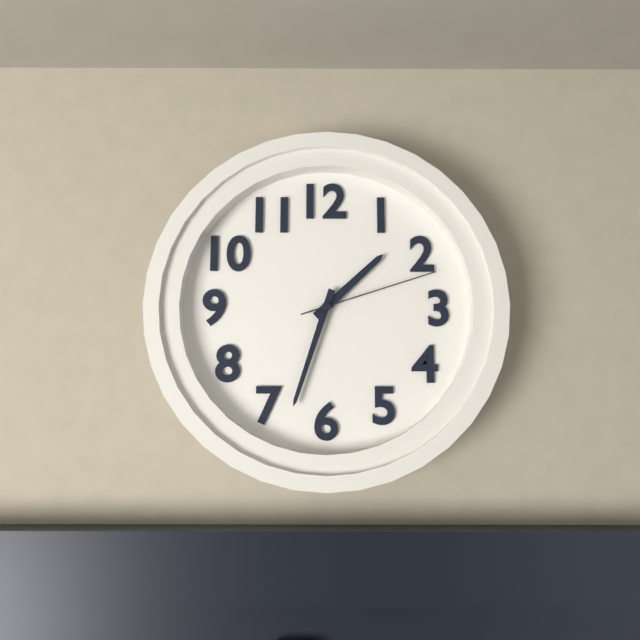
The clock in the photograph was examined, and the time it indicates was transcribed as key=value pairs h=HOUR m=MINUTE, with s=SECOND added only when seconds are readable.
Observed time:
h=1 m=33 s=12
